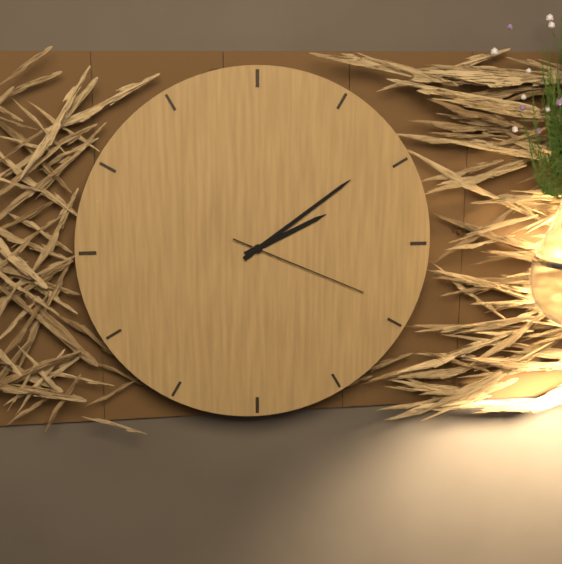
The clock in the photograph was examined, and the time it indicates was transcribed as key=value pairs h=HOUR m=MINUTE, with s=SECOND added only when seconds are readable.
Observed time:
h=2 m=9 s=19
